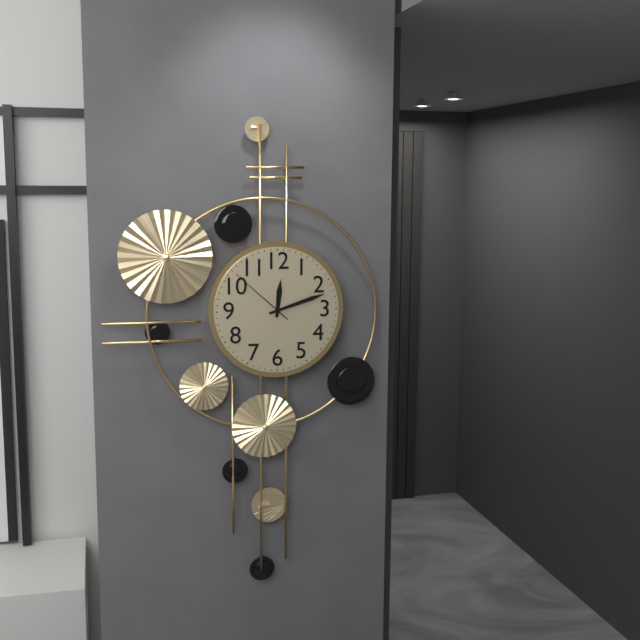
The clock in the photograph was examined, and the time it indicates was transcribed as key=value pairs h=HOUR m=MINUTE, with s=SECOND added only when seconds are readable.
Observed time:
h=12 m=12 s=52
